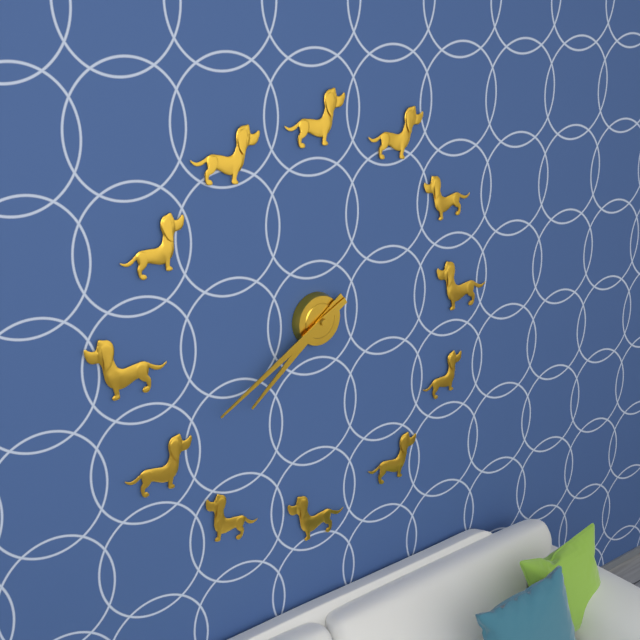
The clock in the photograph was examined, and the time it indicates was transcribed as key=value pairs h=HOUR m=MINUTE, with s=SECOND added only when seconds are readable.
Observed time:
h=7 m=40
